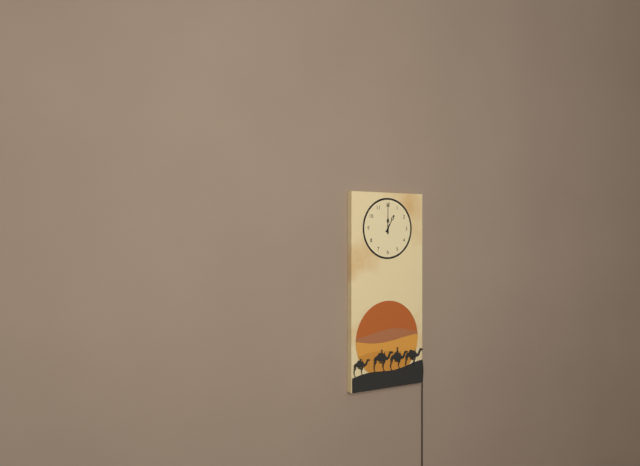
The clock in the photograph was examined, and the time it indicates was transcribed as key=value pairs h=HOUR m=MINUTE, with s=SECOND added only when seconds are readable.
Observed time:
h=1 m=0
